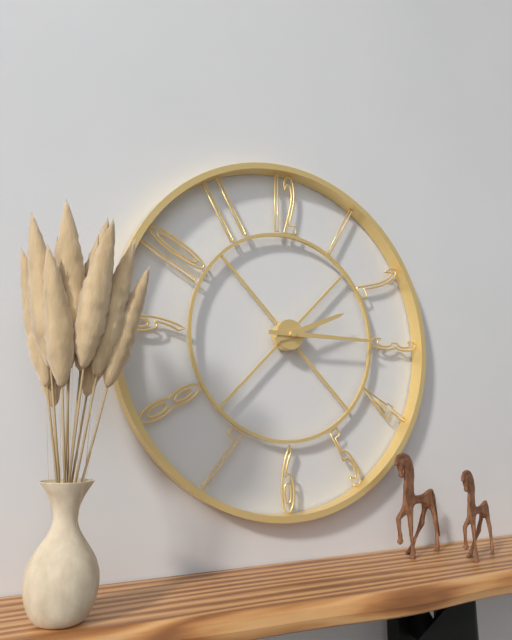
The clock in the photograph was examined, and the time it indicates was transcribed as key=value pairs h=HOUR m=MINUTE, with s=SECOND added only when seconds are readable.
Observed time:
h=2 m=15
